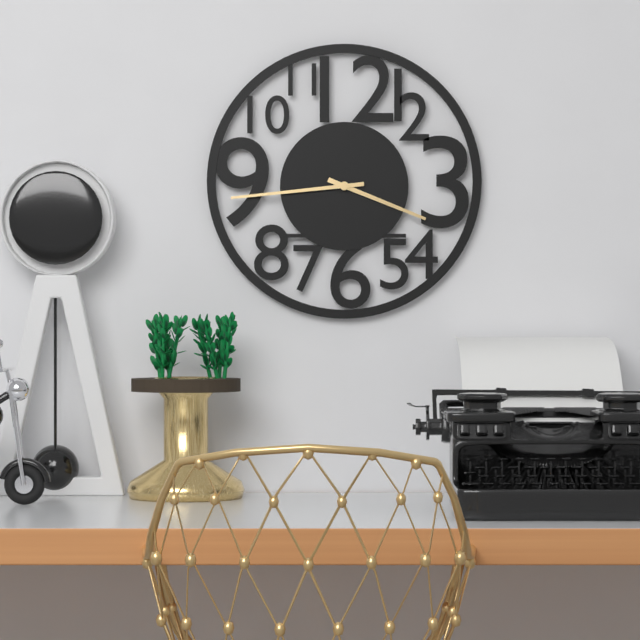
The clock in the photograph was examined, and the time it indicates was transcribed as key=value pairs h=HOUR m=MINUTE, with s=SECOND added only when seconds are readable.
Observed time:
h=3 m=44
